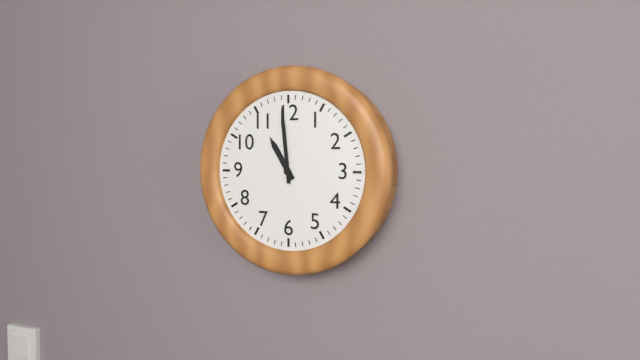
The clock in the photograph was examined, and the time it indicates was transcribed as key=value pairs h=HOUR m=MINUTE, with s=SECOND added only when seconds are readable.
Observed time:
h=10 m=59
